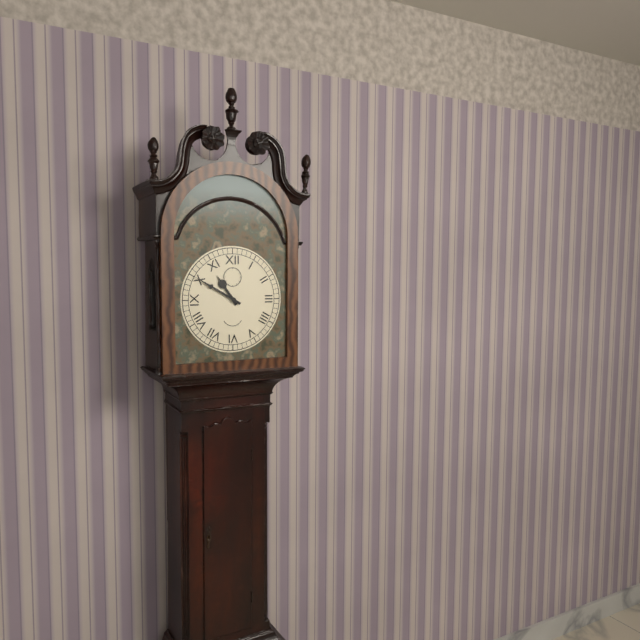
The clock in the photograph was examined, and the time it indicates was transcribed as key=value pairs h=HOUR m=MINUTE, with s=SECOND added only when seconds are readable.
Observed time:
h=10 m=50
